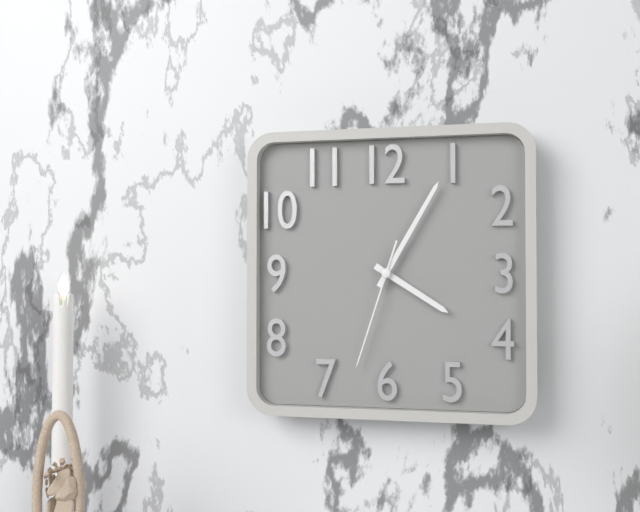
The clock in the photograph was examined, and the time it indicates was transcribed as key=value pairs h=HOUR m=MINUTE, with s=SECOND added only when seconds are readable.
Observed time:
h=4 m=5 s=33
